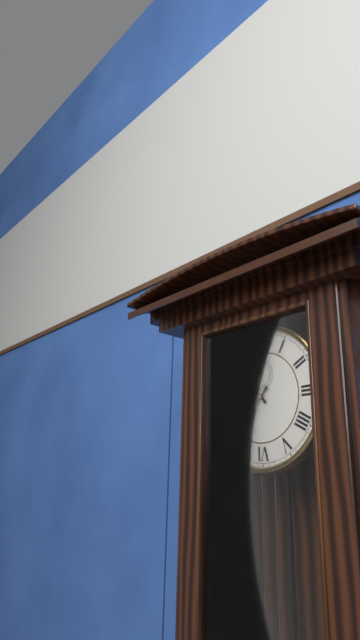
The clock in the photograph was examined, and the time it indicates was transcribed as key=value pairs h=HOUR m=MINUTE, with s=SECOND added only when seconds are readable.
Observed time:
h=10 m=37
